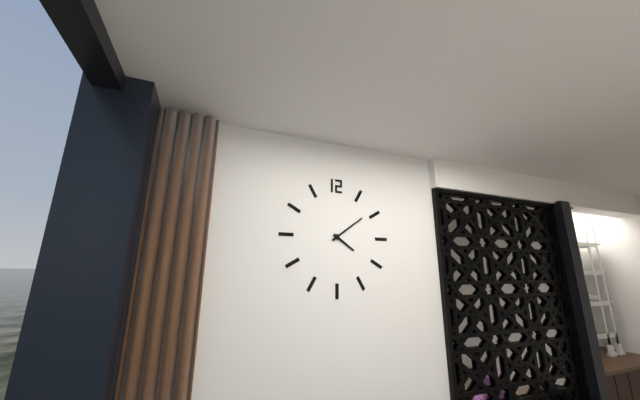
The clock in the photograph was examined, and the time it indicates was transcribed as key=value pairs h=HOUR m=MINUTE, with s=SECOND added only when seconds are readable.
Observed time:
h=4 m=9
